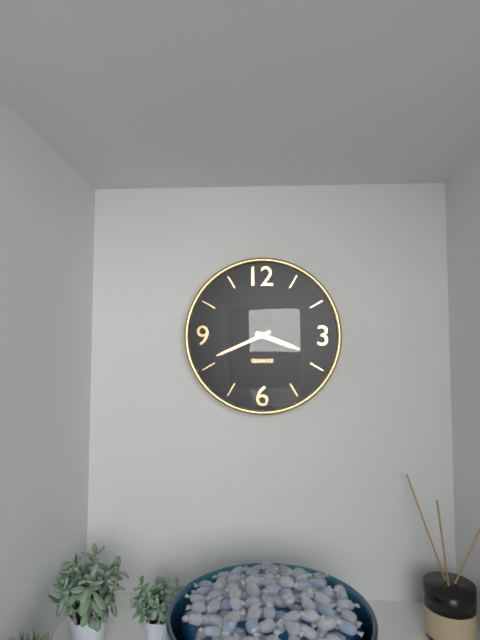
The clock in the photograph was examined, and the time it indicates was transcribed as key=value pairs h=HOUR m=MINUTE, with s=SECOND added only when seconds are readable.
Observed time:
h=3 m=41
